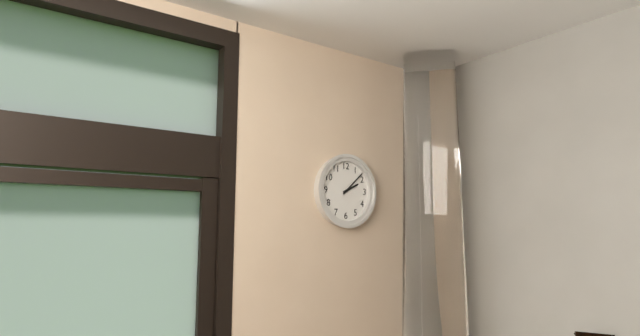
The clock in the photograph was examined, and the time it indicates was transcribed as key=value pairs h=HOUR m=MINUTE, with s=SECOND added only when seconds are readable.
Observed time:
h=2 m=8
